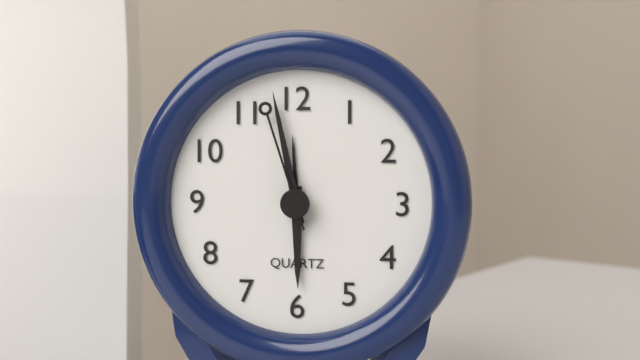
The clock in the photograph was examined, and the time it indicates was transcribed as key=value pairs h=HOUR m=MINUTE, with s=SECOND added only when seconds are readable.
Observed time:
h=5 m=58 s=57
